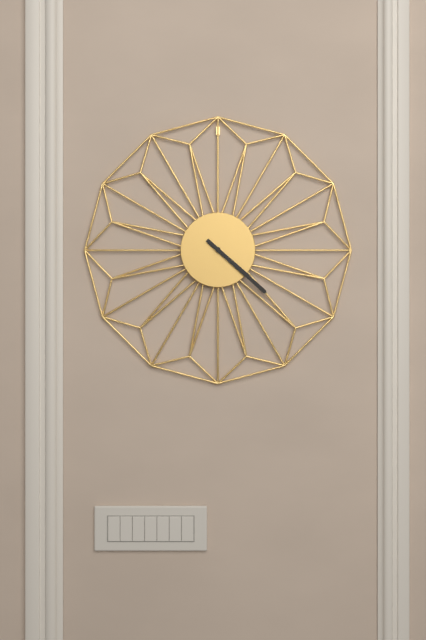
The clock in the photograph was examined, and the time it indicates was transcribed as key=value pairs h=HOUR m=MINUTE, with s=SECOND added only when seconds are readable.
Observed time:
h=4 m=22
